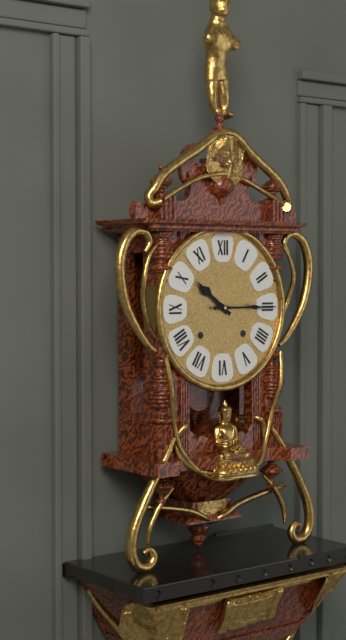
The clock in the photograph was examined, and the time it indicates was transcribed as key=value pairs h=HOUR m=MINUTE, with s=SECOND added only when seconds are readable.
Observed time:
h=10 m=15
